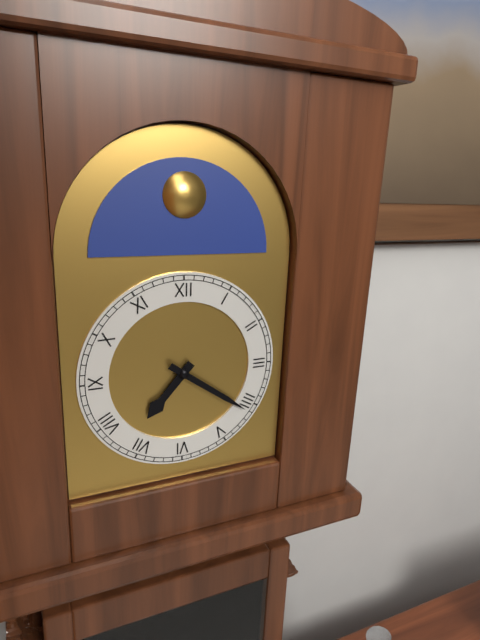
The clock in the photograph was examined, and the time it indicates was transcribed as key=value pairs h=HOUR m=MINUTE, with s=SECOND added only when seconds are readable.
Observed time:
h=7 m=21
